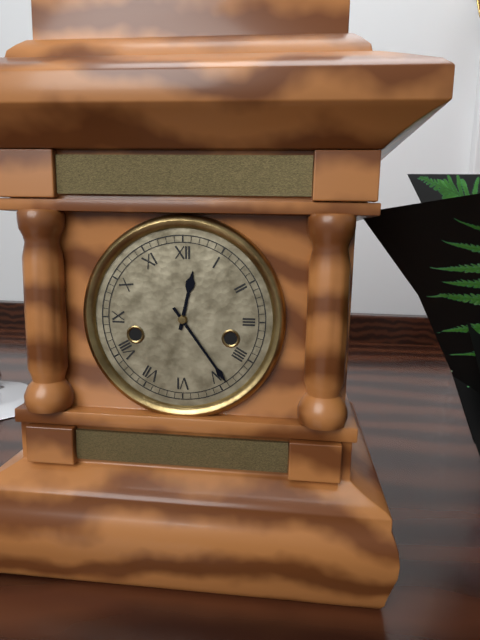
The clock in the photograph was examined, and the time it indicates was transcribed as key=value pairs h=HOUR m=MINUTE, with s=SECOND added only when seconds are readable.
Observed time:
h=12 m=24
